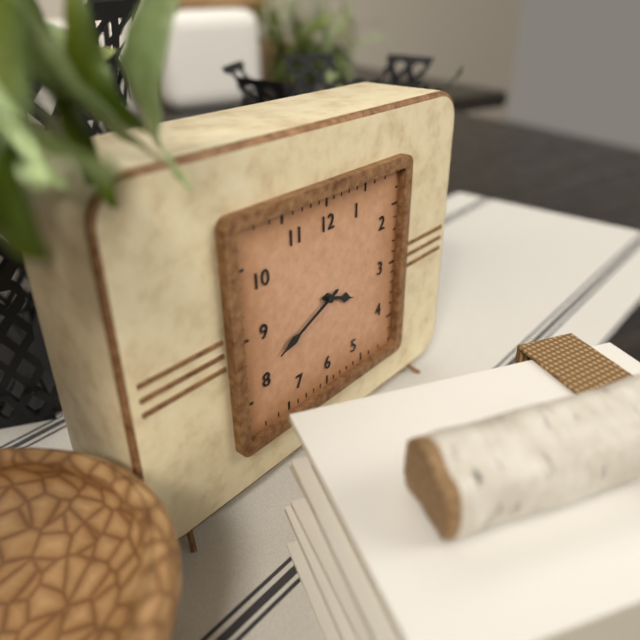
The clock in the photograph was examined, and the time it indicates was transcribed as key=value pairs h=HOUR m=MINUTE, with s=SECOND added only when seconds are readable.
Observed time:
h=3 m=41
